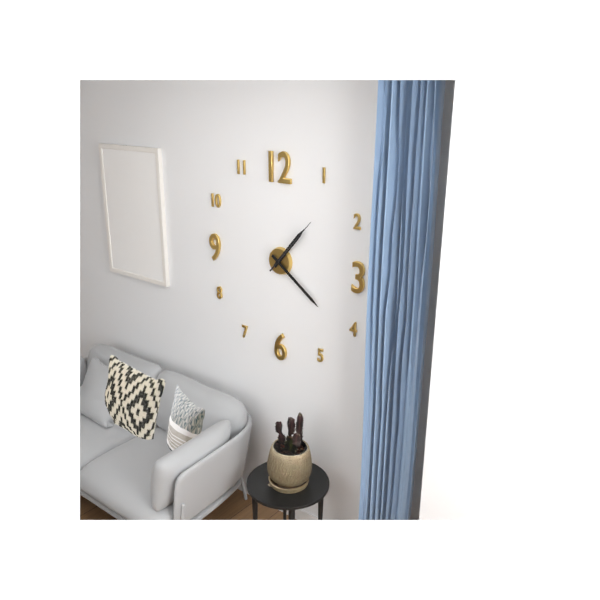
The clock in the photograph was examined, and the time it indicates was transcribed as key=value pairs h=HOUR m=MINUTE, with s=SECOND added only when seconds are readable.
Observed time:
h=1 m=21 s=7
